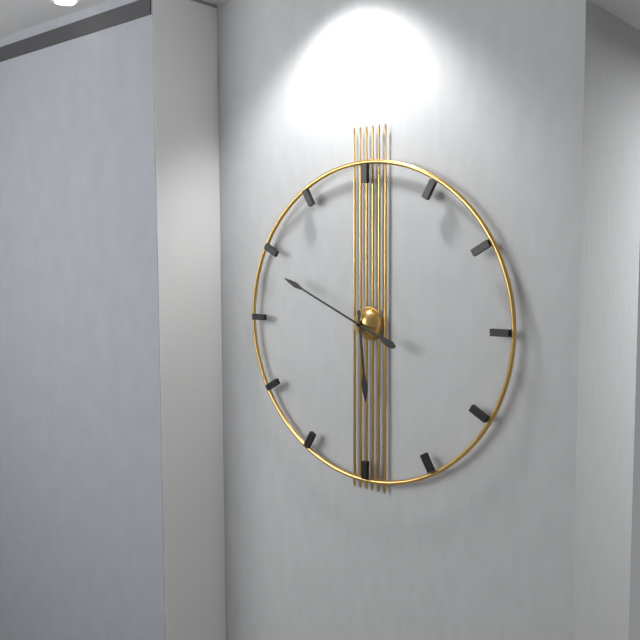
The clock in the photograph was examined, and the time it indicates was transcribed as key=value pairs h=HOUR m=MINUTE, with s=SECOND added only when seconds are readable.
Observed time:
h=5 m=49
